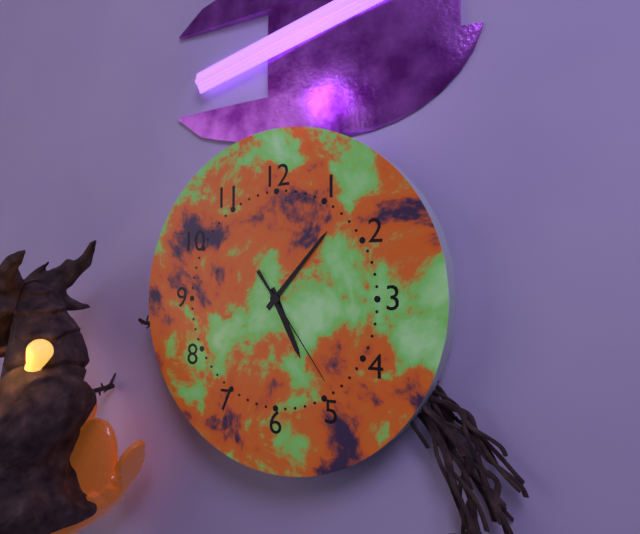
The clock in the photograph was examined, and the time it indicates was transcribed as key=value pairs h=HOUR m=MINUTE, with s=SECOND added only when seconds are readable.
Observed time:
h=5 m=7 s=24
